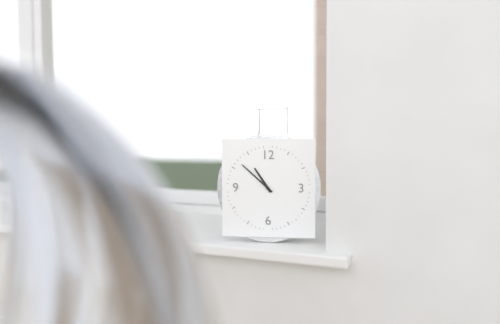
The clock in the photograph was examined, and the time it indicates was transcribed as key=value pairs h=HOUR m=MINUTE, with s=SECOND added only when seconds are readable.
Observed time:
h=10 m=52
